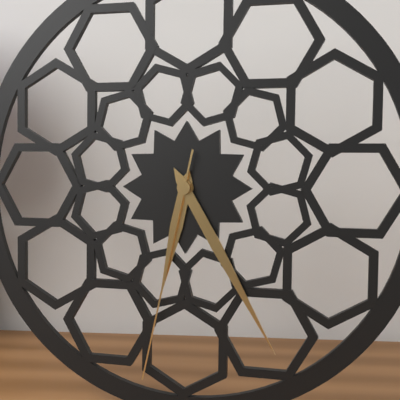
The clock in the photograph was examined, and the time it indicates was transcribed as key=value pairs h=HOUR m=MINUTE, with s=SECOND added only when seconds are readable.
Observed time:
h=6 m=25 s=32
